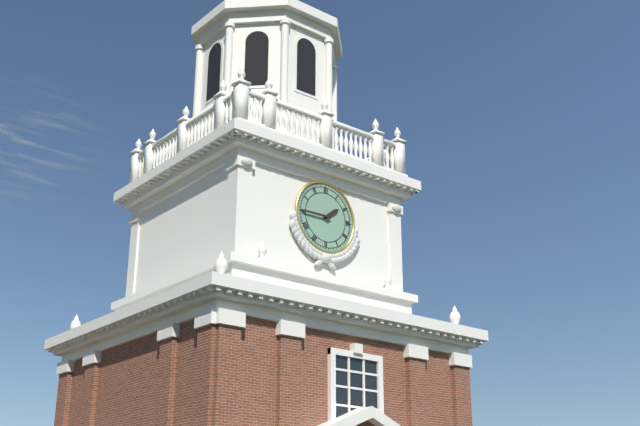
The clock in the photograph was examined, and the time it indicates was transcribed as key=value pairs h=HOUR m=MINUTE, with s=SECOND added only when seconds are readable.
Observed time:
h=1 m=45
